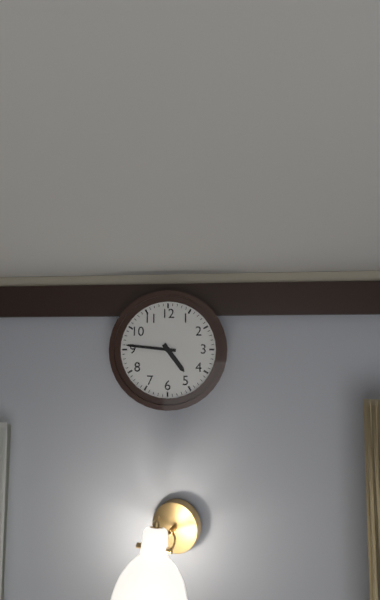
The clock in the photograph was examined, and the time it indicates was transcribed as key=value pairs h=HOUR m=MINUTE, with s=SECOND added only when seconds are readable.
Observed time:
h=4 m=46
